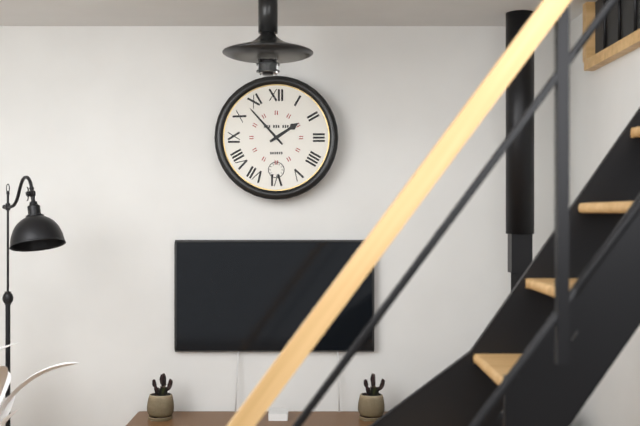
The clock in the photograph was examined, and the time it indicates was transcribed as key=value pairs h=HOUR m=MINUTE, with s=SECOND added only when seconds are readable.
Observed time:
h=1 m=53
